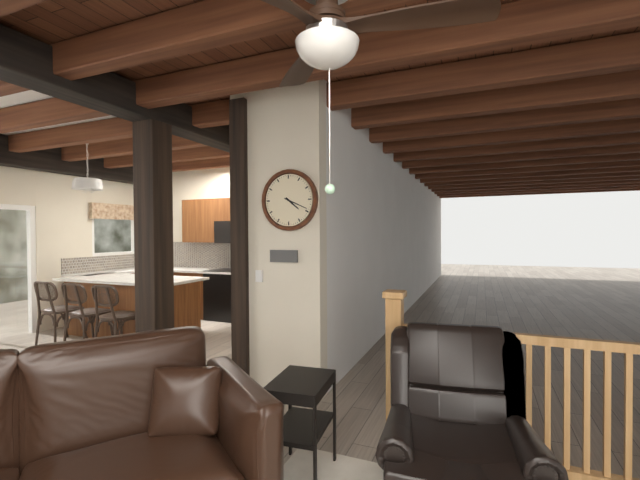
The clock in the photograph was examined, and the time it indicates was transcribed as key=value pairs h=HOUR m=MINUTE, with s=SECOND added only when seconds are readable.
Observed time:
h=4 m=19
